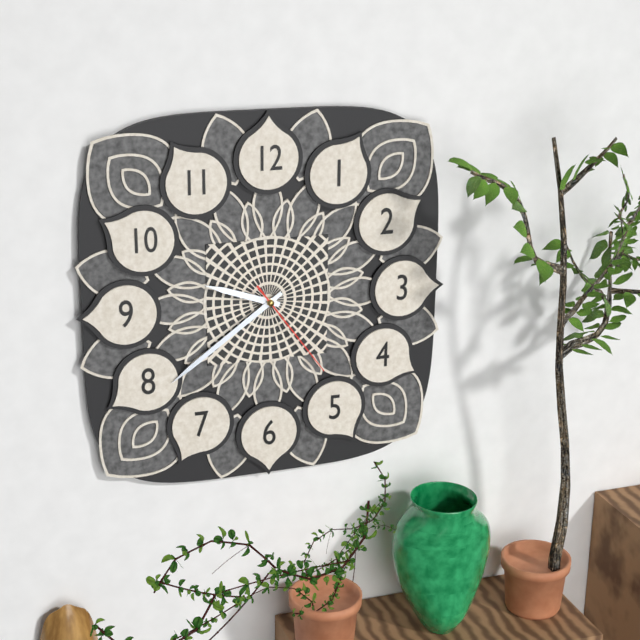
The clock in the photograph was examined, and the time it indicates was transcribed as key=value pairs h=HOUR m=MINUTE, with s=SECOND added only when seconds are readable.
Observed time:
h=9 m=39 s=24
